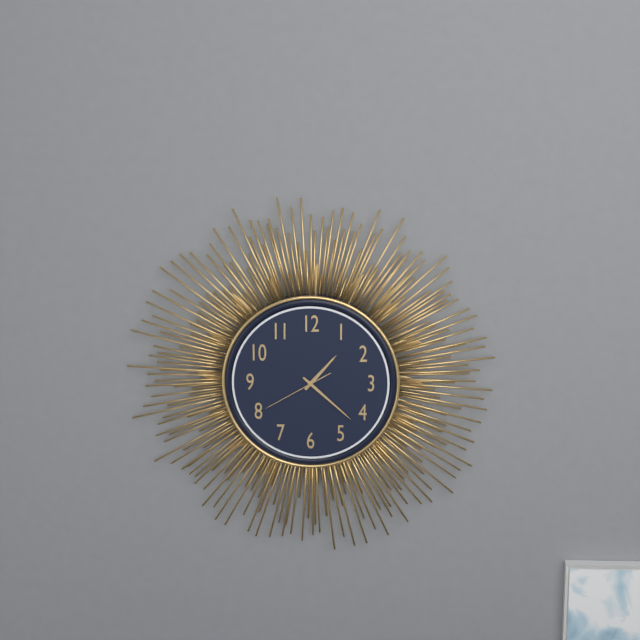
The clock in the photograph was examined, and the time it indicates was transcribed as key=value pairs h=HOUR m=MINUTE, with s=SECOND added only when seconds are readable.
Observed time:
h=1 m=22 s=40
